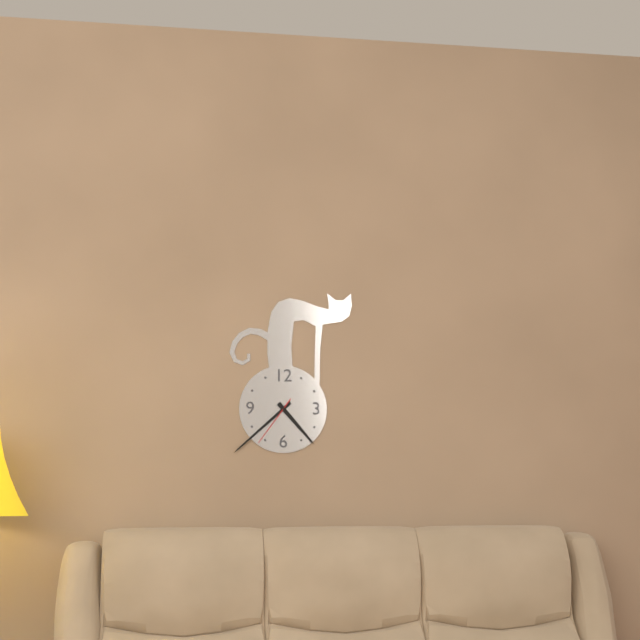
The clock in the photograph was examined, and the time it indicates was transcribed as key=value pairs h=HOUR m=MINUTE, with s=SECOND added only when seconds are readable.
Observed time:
h=4 m=38 s=36
